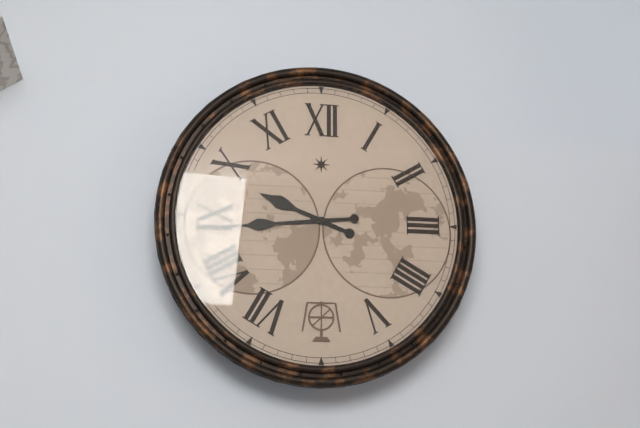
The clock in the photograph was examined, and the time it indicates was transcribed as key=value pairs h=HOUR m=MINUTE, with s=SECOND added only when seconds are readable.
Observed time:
h=9 m=44
